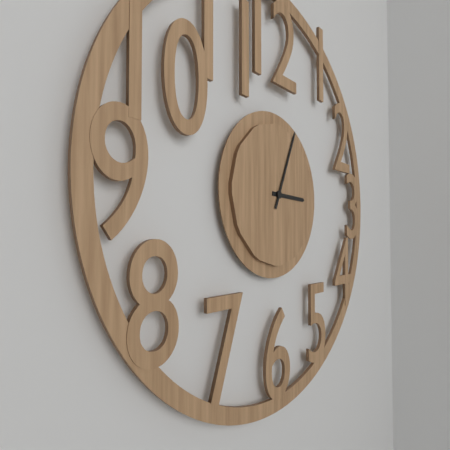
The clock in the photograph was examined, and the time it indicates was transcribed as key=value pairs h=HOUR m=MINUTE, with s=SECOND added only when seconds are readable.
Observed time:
h=3 m=4
